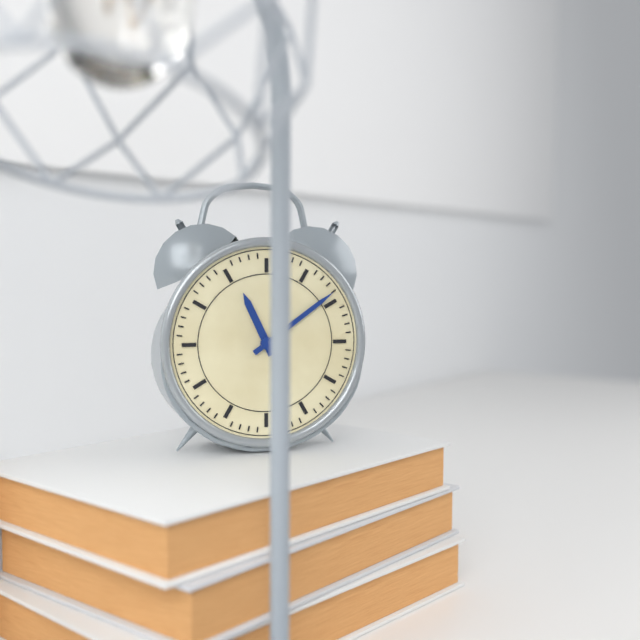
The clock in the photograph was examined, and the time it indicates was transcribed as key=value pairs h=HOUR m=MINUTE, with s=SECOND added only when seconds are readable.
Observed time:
h=11 m=9
